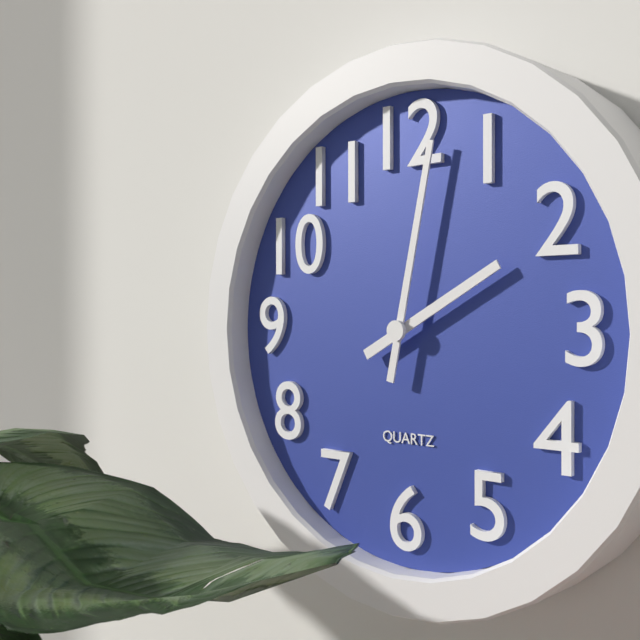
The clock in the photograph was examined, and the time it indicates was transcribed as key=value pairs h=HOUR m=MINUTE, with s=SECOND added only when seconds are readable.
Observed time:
h=2 m=2
